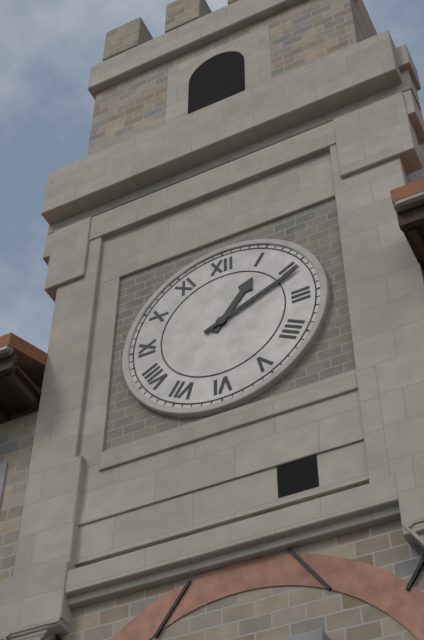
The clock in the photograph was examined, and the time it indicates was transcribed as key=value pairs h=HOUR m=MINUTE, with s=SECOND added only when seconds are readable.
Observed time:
h=1 m=11
